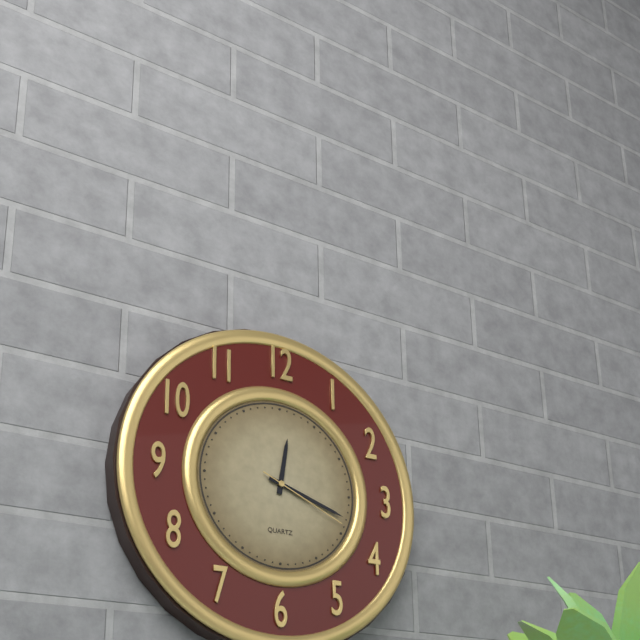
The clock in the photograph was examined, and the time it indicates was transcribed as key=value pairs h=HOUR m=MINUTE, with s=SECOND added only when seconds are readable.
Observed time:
h=12 m=18 s=19
